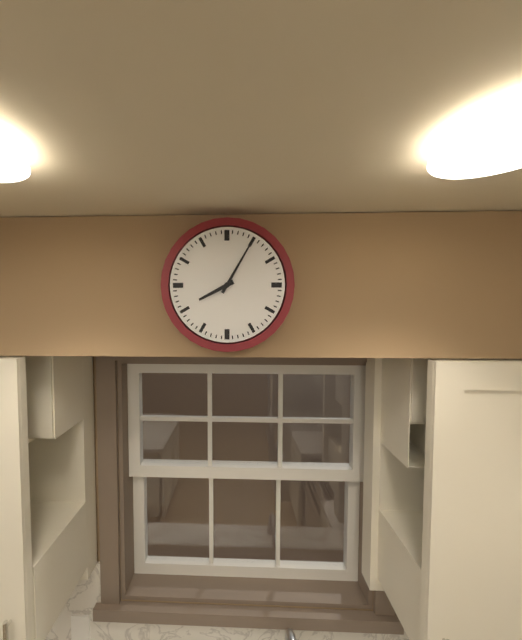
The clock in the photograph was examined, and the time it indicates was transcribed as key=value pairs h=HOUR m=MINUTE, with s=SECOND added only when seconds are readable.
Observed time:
h=8 m=5
